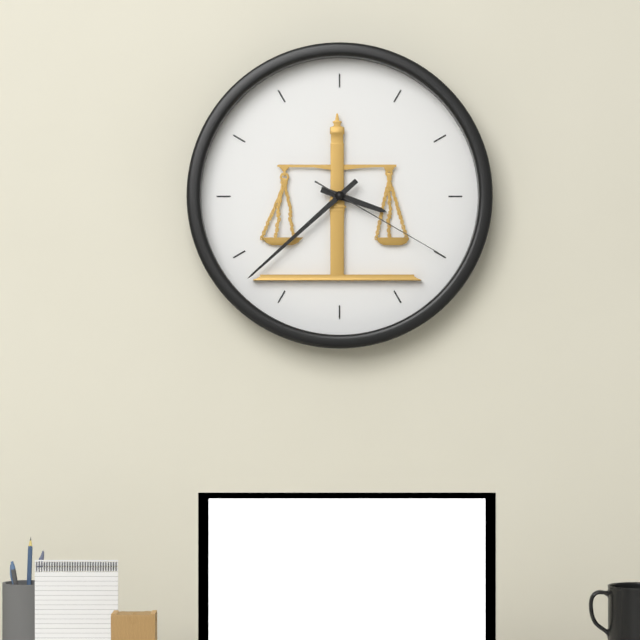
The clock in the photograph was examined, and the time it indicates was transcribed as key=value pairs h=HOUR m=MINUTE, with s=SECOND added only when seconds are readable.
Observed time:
h=3 m=38 s=20
